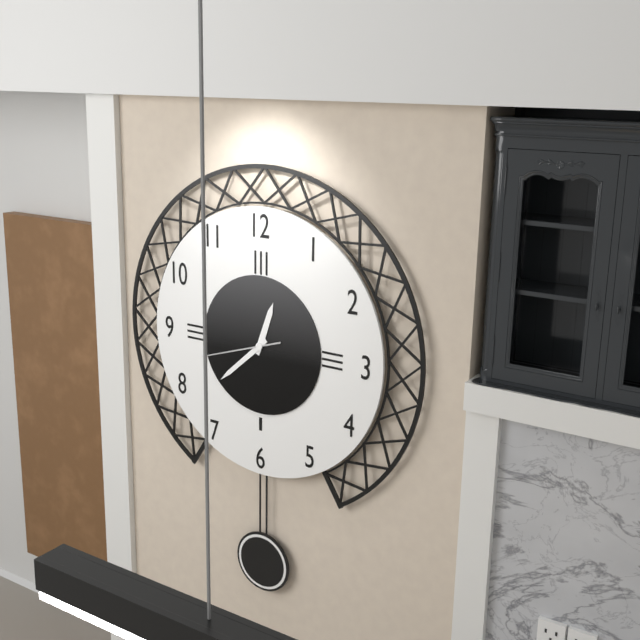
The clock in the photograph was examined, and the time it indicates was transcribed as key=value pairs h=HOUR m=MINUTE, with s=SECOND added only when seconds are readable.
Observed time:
h=12 m=38 s=42
